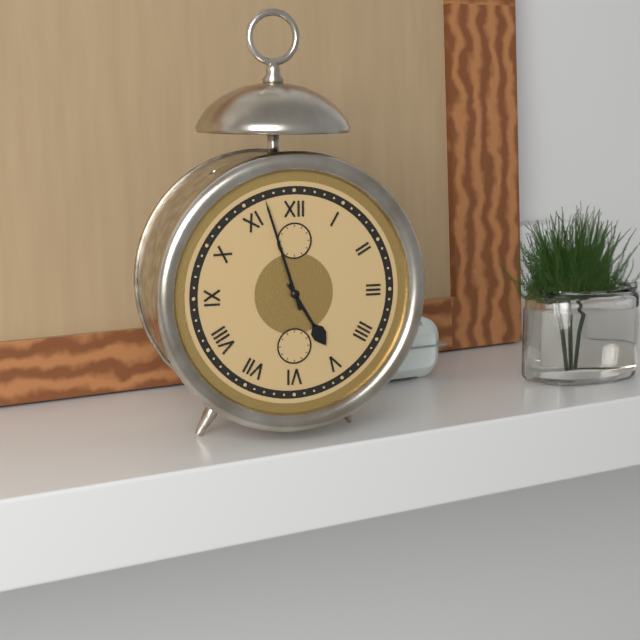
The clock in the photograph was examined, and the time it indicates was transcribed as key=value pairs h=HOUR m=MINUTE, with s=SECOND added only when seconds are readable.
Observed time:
h=4 m=57
